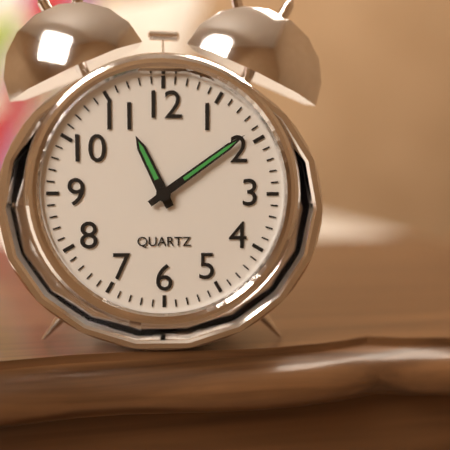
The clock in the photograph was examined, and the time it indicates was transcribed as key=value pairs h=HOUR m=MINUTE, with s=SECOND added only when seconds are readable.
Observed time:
h=11 m=9
